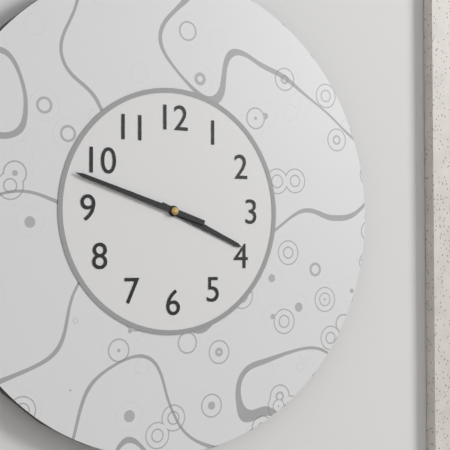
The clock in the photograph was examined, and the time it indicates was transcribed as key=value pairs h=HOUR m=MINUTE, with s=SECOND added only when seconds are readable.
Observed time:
h=3 m=48
